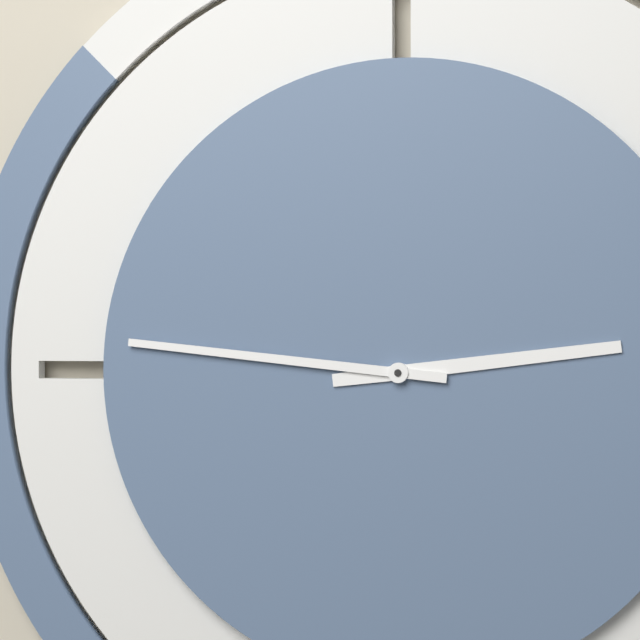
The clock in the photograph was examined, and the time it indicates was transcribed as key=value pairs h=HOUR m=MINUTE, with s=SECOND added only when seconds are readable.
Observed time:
h=2 m=46
